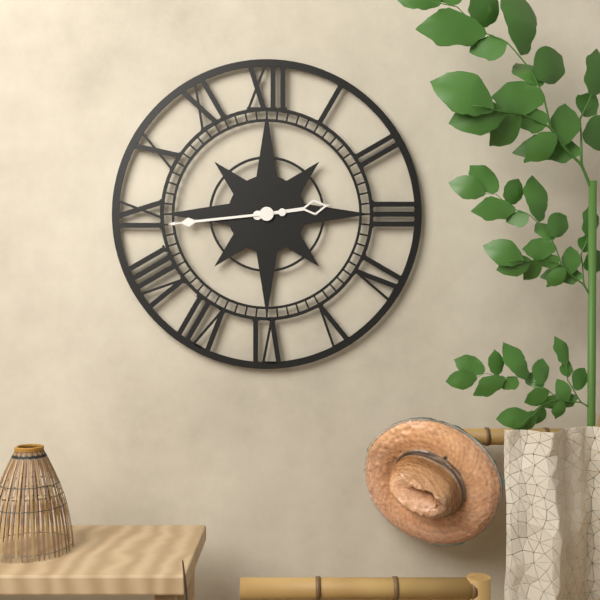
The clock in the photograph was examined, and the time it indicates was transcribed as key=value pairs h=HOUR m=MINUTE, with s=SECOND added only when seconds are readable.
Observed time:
h=2 m=44
